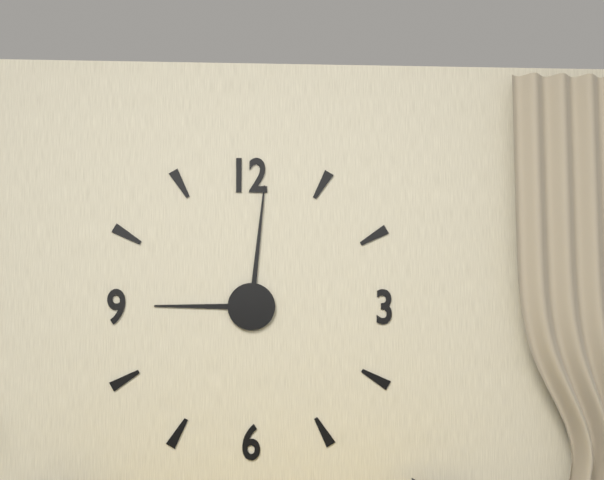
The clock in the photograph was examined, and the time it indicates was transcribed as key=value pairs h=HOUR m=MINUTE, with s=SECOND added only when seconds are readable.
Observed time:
h=9 m=1
